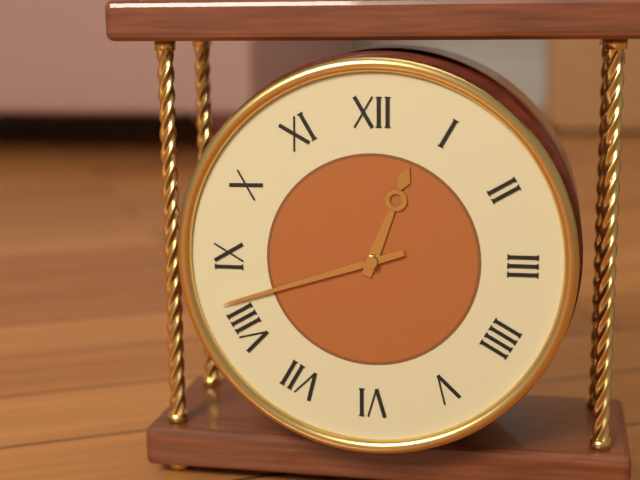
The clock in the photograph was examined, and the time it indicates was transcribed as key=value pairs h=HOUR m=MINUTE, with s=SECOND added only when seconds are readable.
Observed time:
h=12 m=42
